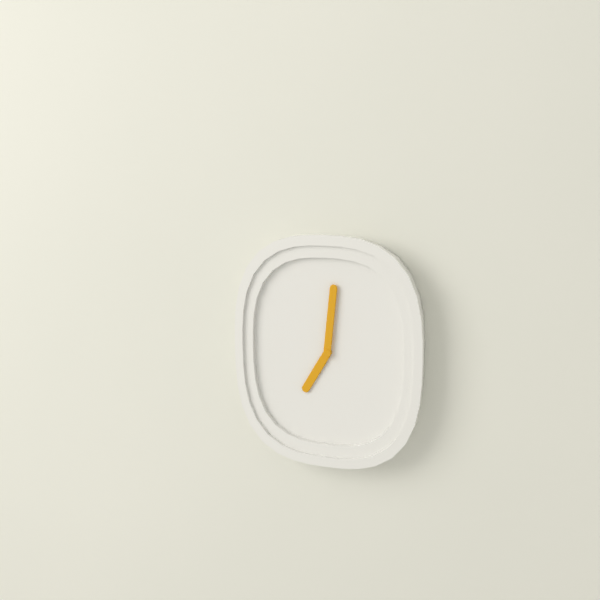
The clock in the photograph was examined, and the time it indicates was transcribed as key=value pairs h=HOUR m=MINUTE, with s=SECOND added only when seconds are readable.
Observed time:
h=7 m=1
